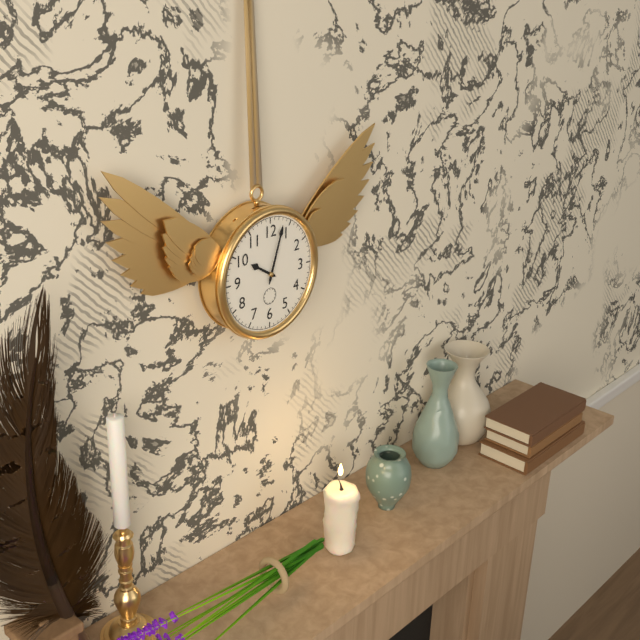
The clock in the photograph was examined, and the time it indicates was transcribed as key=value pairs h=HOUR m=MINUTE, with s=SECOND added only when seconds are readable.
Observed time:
h=10 m=3
